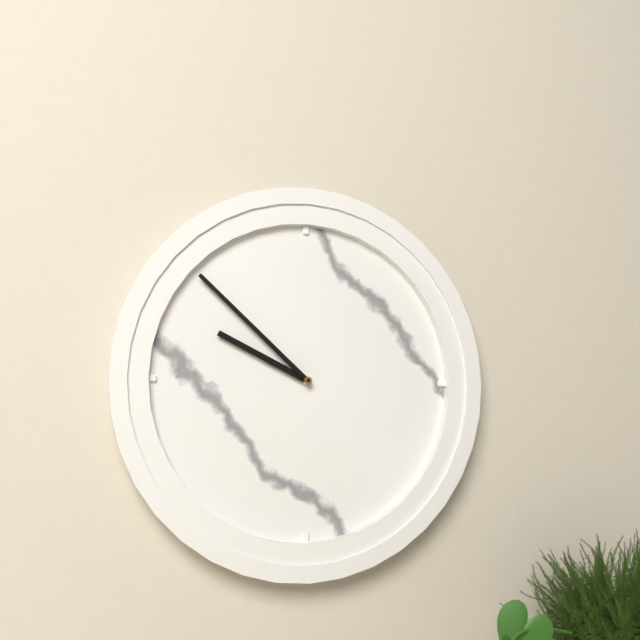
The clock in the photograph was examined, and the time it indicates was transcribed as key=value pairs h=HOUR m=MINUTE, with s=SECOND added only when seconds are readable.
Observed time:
h=9 m=52
